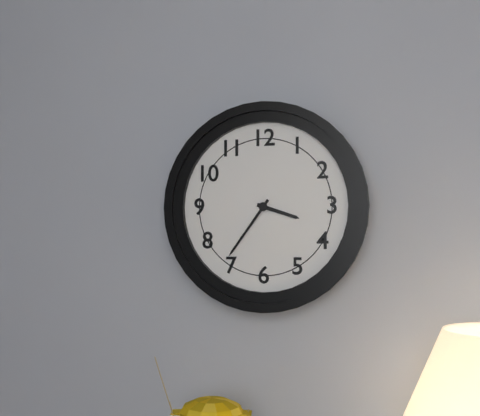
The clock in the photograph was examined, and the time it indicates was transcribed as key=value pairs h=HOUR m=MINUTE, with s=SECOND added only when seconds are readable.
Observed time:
h=3 m=36
